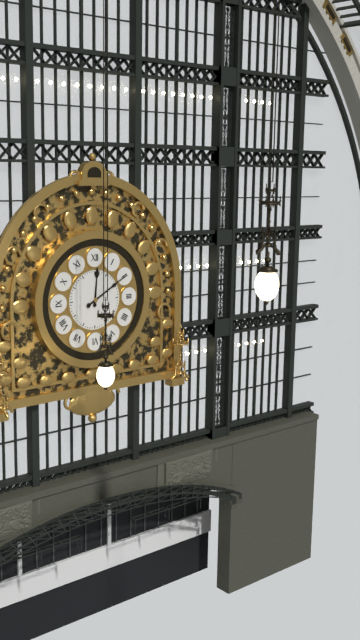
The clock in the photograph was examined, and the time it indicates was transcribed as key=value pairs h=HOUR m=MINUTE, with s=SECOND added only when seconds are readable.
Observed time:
h=12 m=10
